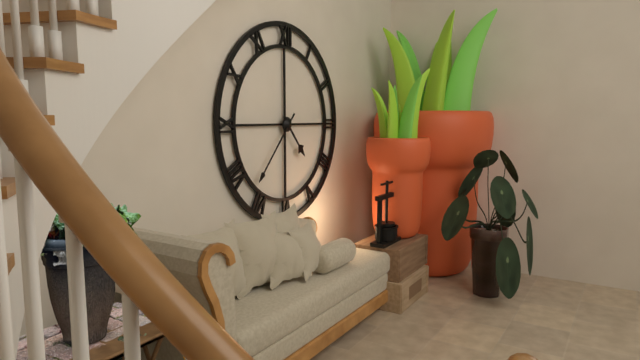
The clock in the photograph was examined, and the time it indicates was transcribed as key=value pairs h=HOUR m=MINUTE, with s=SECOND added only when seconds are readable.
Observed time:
h=4 m=37
